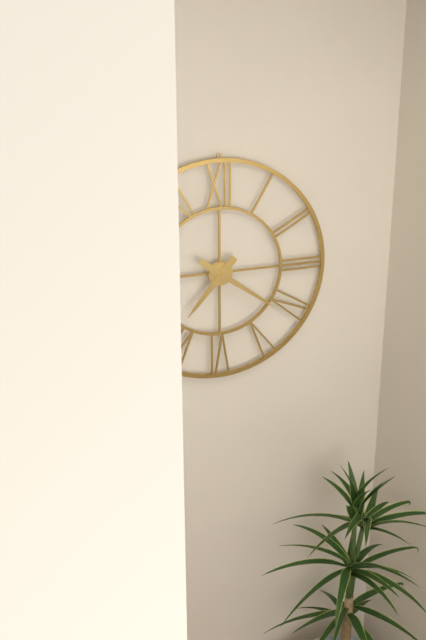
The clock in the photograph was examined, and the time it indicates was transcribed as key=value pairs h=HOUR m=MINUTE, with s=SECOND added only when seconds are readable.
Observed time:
h=7 m=21
